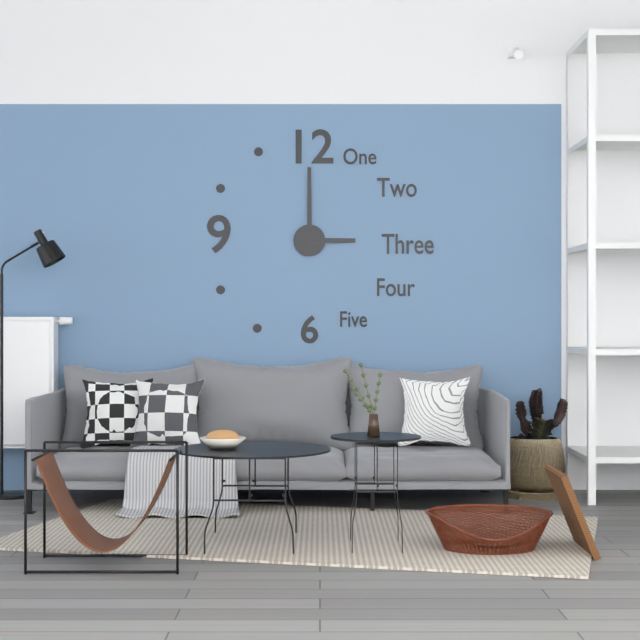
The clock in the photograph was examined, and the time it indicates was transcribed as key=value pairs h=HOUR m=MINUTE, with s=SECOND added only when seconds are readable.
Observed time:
h=3 m=0
